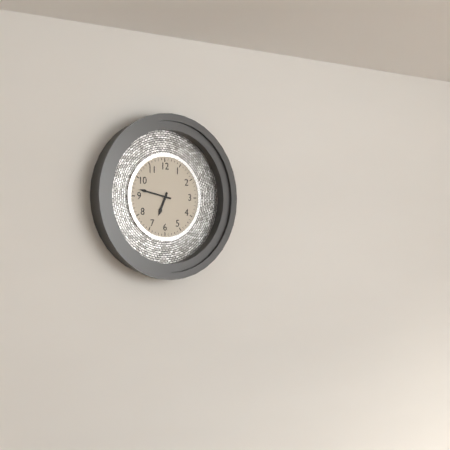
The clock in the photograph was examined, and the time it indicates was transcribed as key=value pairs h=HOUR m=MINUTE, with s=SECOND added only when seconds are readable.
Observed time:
h=6 m=47
